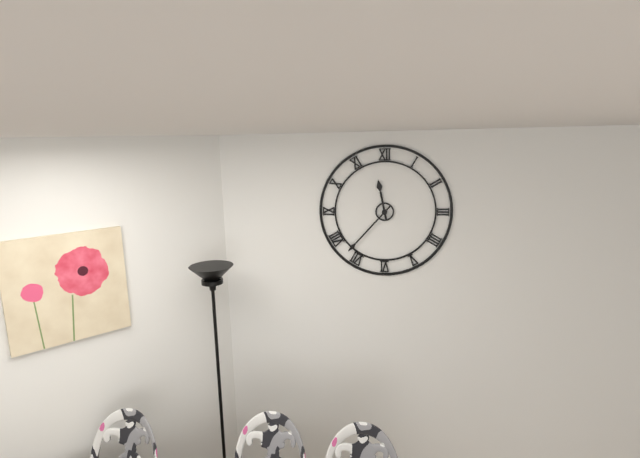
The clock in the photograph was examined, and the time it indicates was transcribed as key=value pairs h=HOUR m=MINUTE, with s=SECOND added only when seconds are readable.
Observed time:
h=11 m=37
